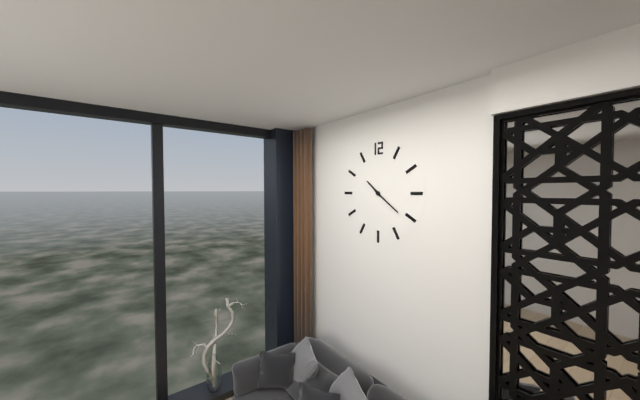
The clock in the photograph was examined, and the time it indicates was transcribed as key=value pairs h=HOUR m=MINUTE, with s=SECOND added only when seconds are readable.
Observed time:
h=10 m=21
